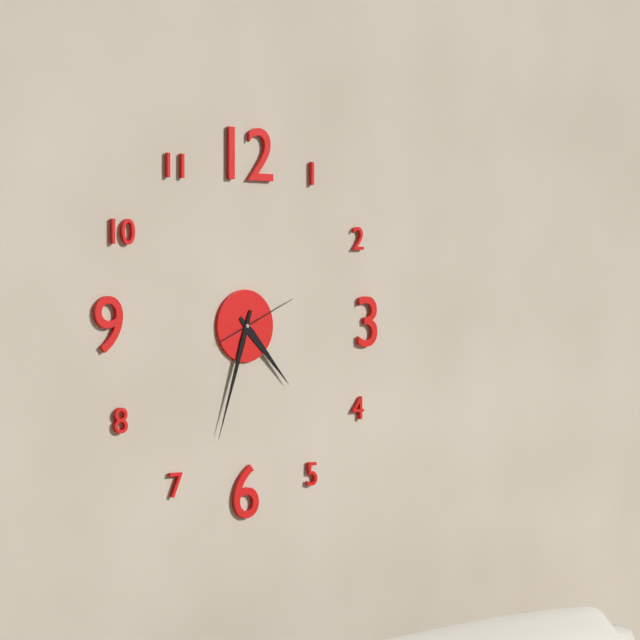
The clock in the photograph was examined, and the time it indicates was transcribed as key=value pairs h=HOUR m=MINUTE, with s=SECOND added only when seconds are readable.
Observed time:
h=4 m=33 s=11
